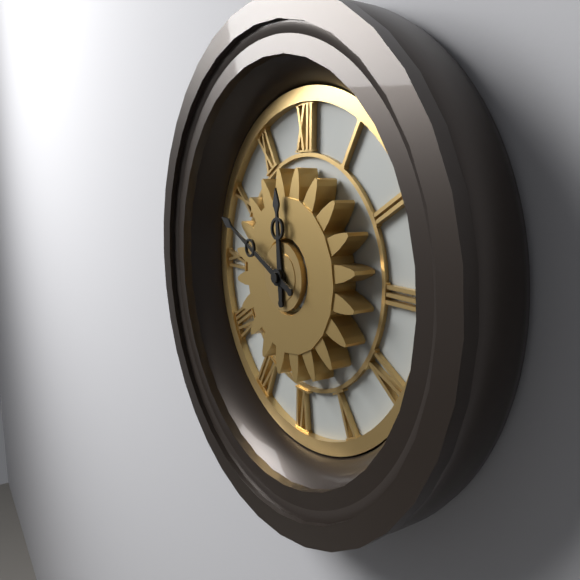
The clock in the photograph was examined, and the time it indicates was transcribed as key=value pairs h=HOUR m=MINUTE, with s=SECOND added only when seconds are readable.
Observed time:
h=11 m=49
